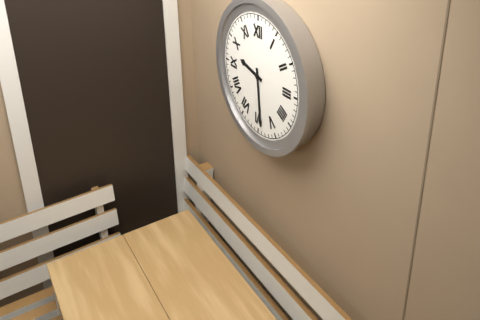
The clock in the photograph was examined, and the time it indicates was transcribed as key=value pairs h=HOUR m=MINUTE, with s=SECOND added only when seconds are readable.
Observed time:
h=9 m=29
